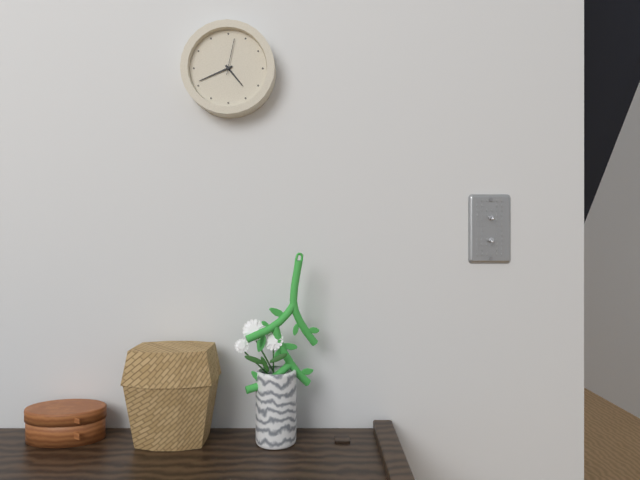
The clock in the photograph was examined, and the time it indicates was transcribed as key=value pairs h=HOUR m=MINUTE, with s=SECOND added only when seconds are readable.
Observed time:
h=4 m=41
